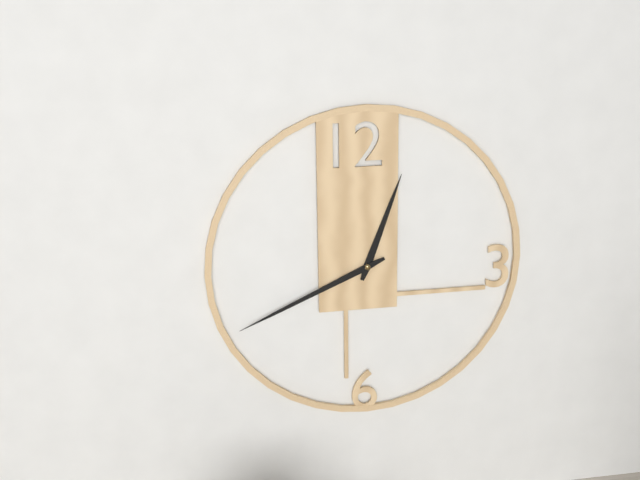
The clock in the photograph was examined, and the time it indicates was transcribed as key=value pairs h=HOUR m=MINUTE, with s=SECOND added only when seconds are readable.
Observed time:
h=12 m=41
